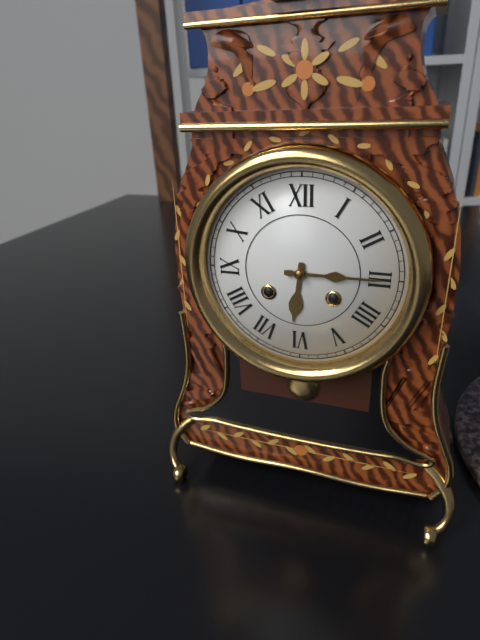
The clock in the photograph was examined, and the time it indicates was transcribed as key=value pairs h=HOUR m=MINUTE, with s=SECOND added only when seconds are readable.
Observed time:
h=6 m=15
